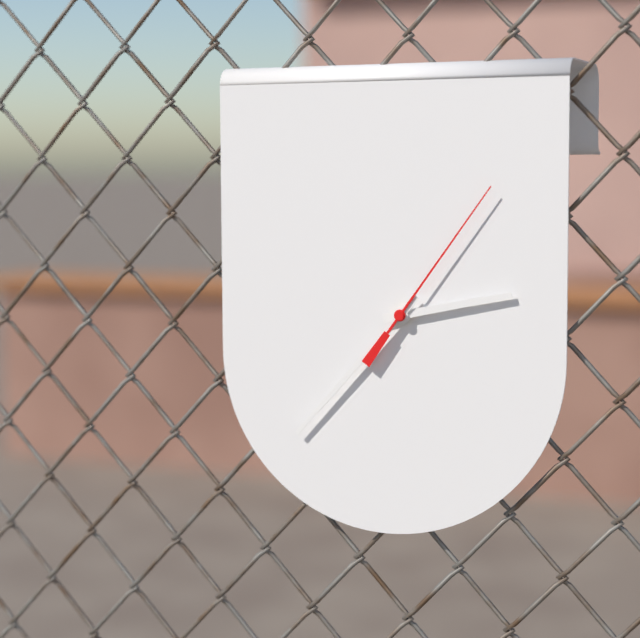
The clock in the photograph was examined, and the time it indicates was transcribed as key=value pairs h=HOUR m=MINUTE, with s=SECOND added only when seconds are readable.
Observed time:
h=2 m=37 s=6
